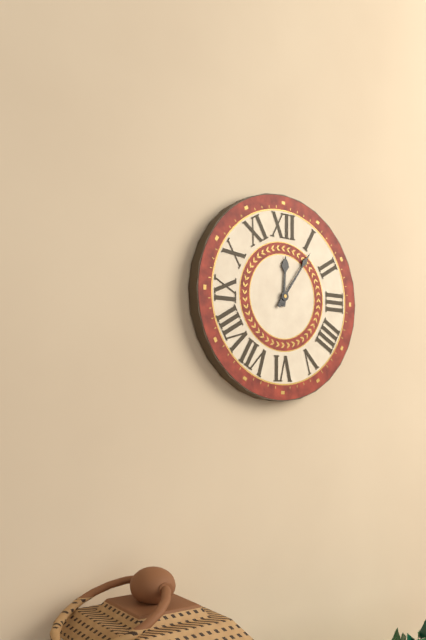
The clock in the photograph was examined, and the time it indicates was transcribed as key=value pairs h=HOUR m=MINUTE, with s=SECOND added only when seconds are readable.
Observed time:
h=12 m=6
